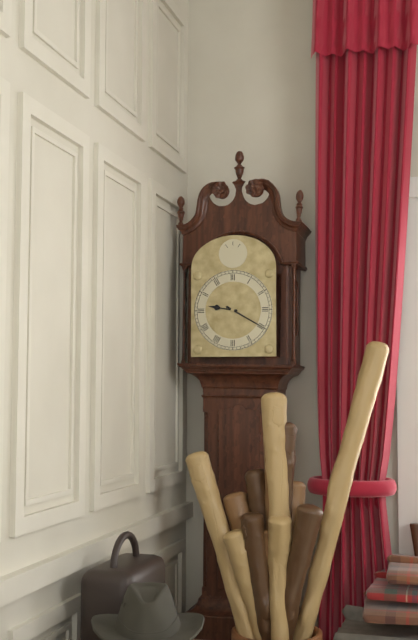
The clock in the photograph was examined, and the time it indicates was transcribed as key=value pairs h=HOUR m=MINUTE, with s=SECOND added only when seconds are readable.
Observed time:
h=9 m=20
